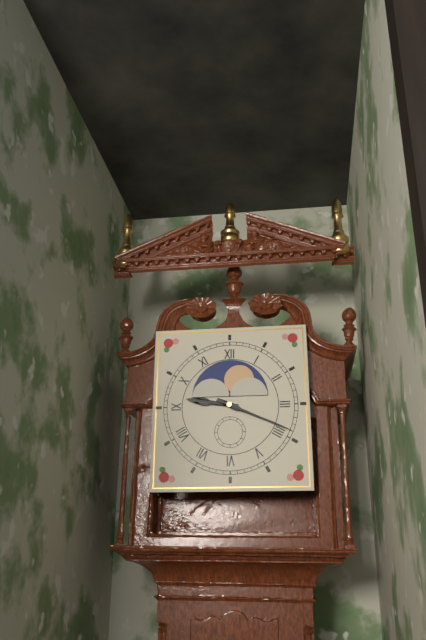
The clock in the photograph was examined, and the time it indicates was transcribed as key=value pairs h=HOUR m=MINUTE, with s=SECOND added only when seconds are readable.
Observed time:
h=9 m=19
